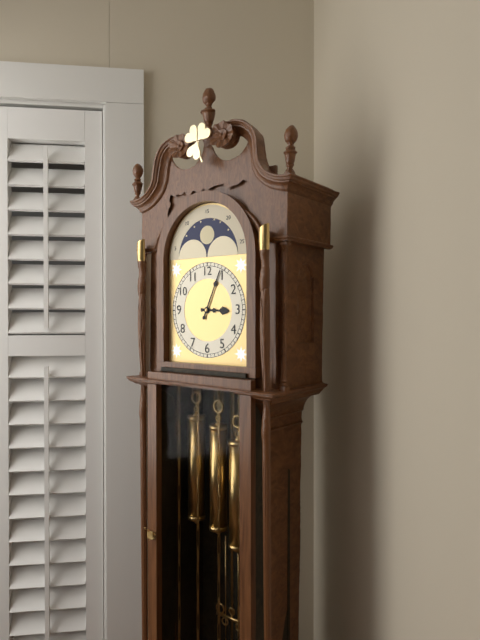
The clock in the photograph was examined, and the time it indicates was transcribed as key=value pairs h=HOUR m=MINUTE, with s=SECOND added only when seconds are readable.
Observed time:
h=3 m=4
